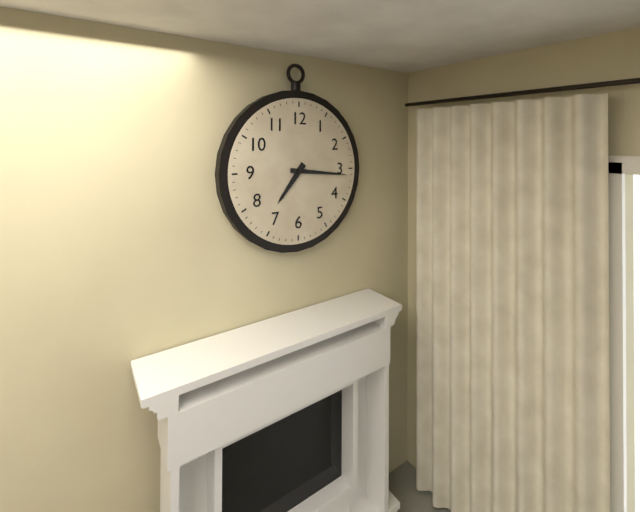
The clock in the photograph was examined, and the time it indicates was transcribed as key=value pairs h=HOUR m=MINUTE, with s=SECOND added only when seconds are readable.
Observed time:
h=7 m=16
